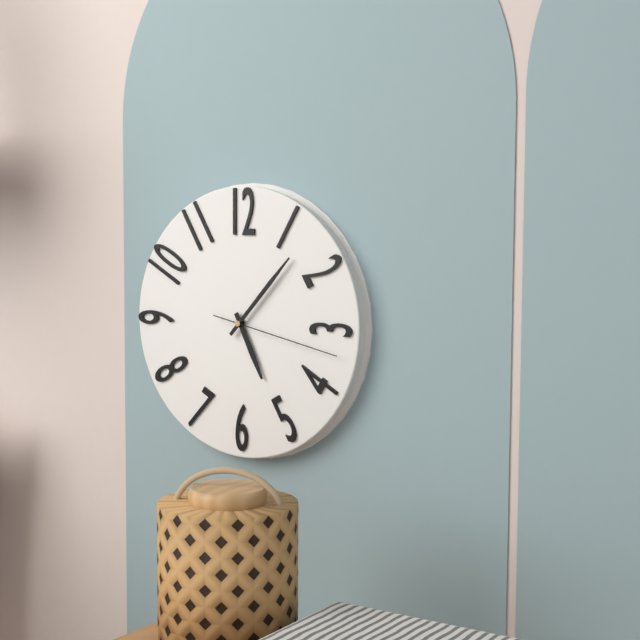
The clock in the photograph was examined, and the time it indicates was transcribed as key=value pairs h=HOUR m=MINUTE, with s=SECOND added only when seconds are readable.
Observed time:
h=5 m=7 s=17
